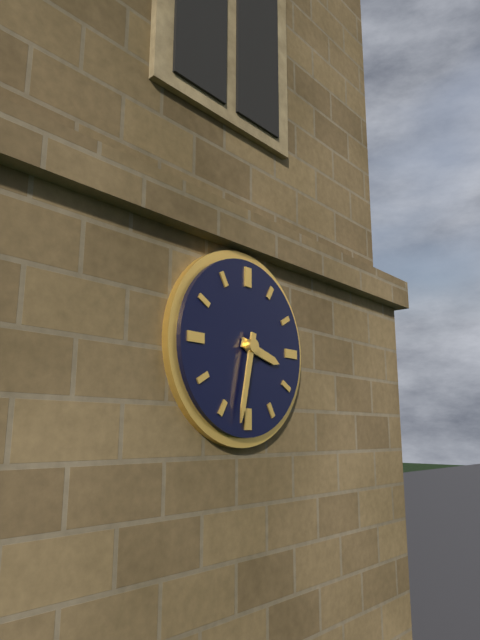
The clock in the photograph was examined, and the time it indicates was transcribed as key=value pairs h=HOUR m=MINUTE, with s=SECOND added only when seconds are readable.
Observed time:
h=3 m=32
